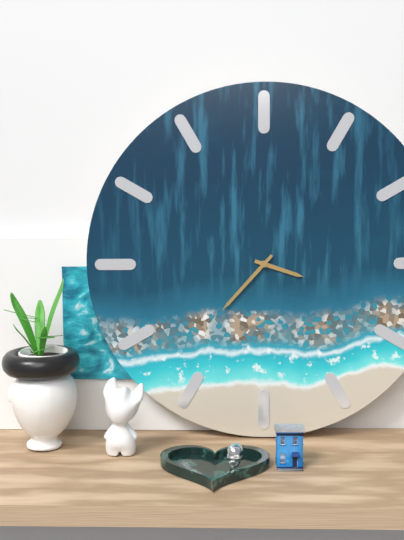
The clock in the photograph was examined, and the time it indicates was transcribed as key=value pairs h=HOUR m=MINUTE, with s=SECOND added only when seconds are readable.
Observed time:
h=3 m=37
